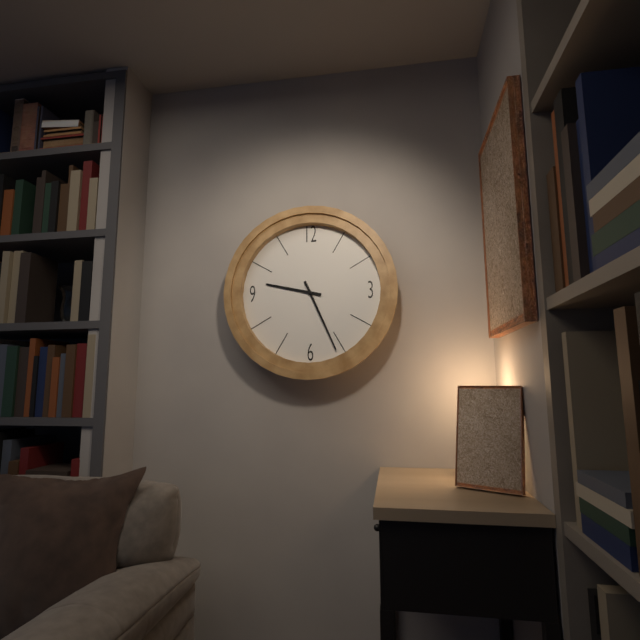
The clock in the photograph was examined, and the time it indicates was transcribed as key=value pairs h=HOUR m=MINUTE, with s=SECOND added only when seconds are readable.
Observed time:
h=9 m=26
